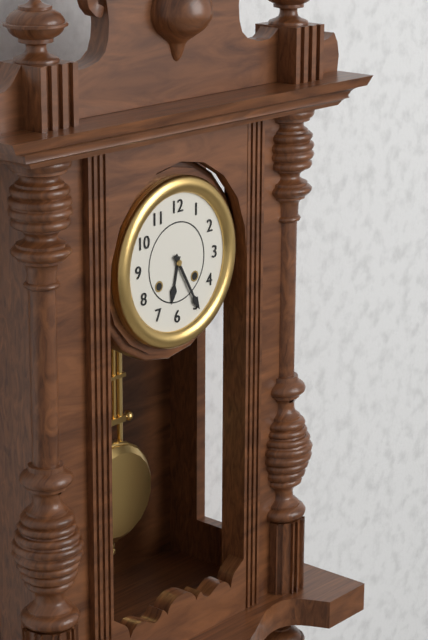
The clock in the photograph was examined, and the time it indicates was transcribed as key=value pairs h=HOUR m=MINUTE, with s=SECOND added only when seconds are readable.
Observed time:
h=6 m=25
